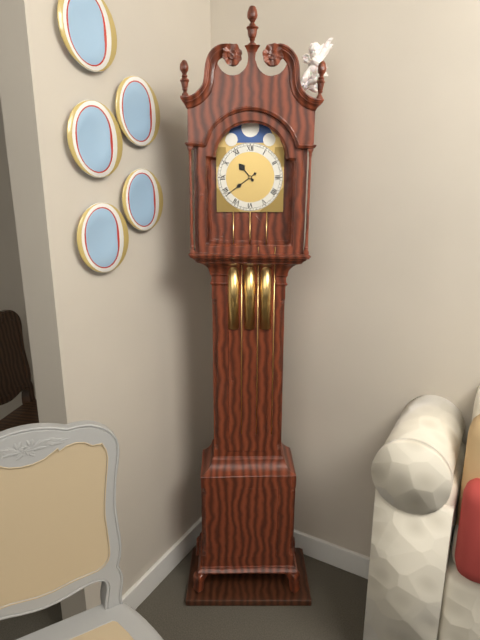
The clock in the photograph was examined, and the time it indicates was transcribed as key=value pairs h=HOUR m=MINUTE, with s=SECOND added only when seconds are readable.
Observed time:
h=10 m=39
